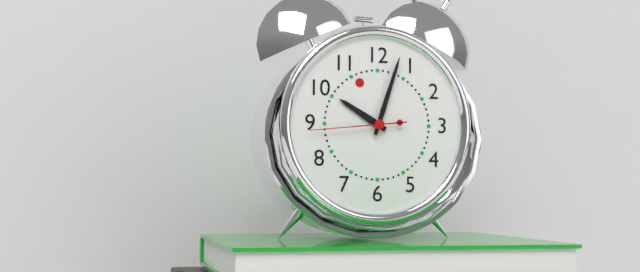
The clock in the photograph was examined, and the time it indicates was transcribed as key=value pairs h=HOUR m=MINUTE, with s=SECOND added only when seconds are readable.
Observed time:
h=10 m=3 s=44
